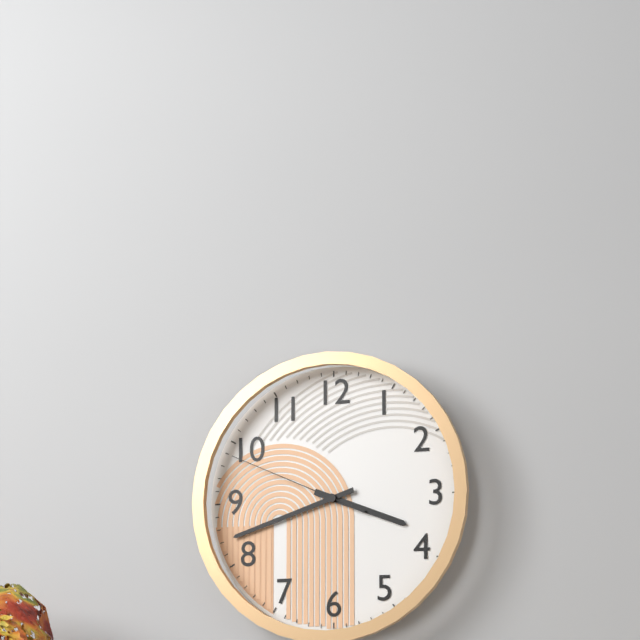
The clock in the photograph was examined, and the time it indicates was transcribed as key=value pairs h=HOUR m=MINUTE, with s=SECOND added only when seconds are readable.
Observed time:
h=3 m=42 s=49
